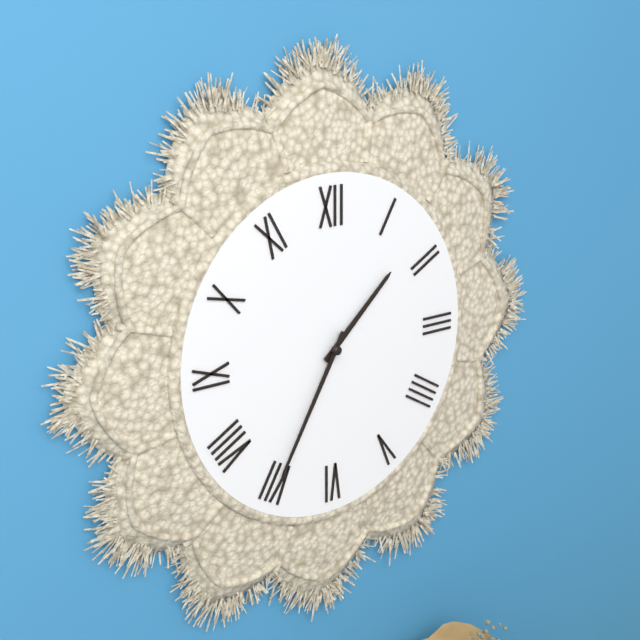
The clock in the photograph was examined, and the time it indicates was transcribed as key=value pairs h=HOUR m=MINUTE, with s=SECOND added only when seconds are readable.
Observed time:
h=1 m=35
